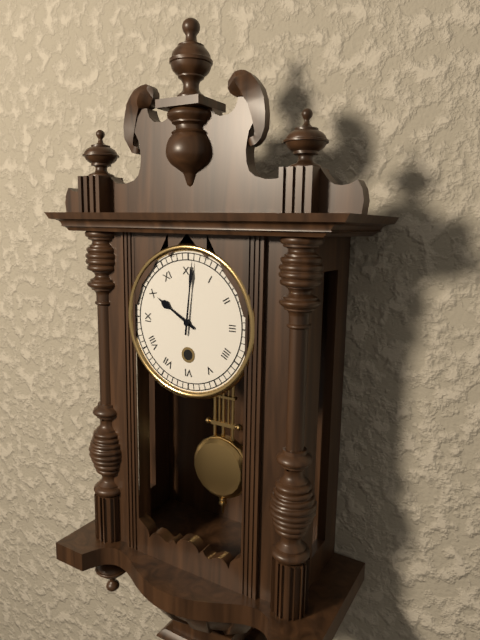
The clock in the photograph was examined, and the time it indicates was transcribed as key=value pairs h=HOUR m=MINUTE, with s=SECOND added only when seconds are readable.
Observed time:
h=10 m=1
